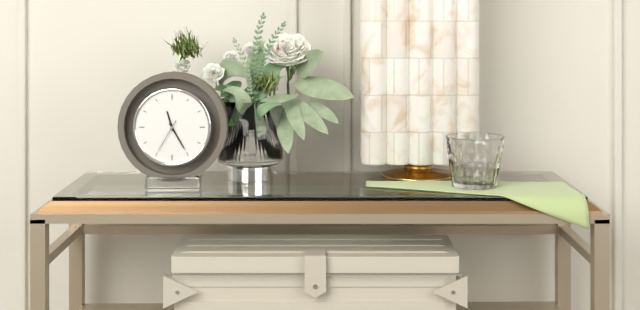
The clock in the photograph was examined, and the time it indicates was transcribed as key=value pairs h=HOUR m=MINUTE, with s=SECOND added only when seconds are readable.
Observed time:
h=11 m=25
